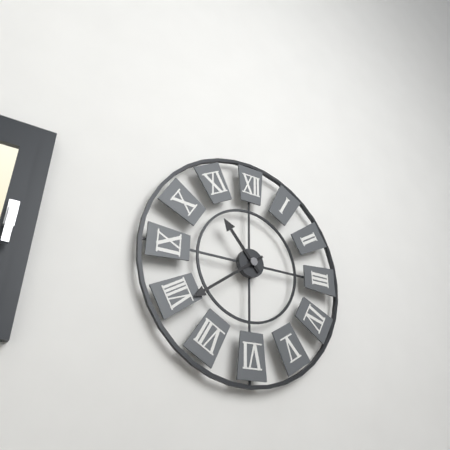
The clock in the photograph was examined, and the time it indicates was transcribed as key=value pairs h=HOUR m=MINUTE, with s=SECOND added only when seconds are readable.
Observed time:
h=10 m=39
